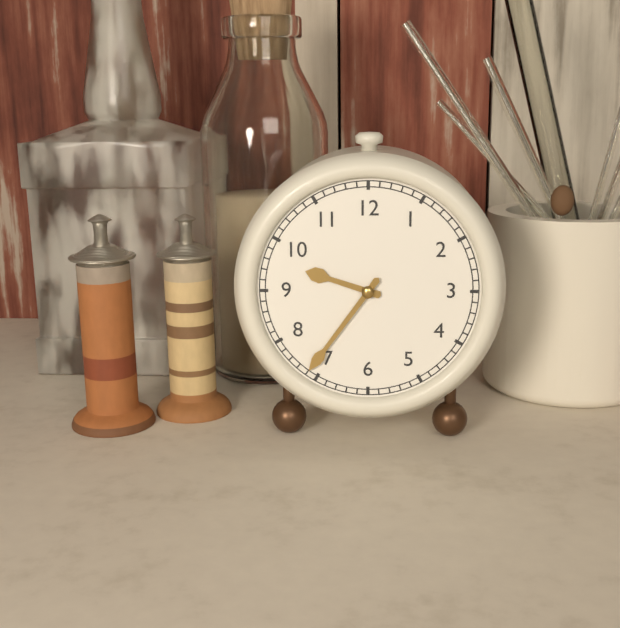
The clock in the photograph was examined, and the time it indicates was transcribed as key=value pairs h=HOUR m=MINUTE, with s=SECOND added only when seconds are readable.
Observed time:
h=9 m=36
